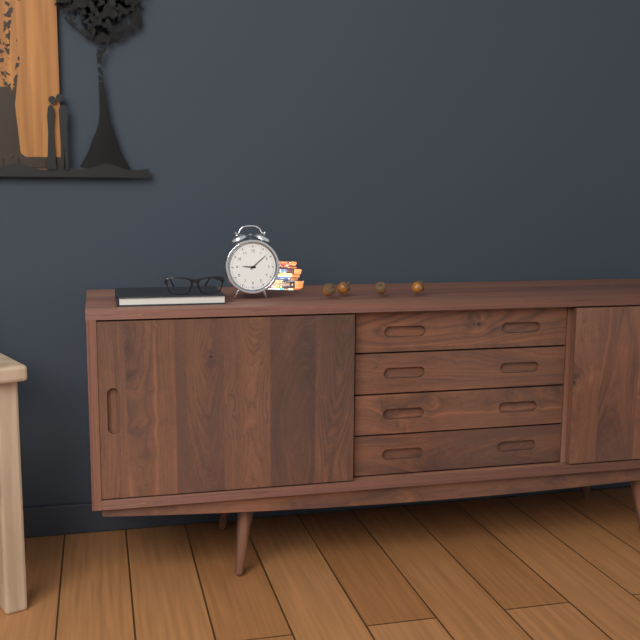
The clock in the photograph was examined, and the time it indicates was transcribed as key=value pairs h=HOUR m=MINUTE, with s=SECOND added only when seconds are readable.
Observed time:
h=9 m=8
